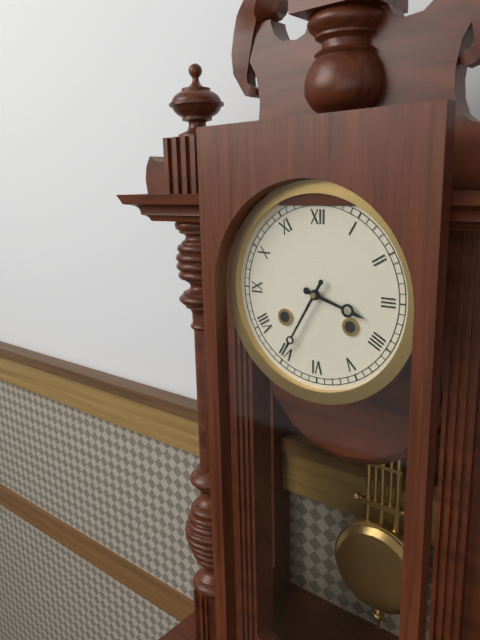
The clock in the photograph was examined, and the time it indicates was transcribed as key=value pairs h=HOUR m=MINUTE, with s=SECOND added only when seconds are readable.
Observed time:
h=3 m=35
